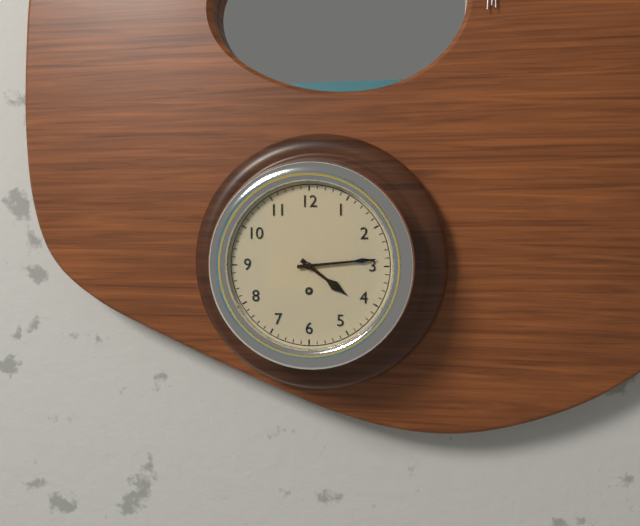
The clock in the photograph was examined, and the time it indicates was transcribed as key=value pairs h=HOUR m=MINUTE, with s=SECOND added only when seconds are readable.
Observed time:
h=4 m=14
